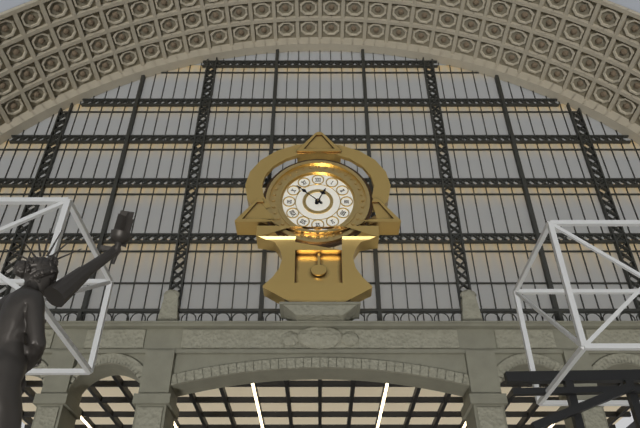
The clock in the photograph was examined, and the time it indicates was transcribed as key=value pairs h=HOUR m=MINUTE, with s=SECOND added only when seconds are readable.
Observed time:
h=12 m=52
